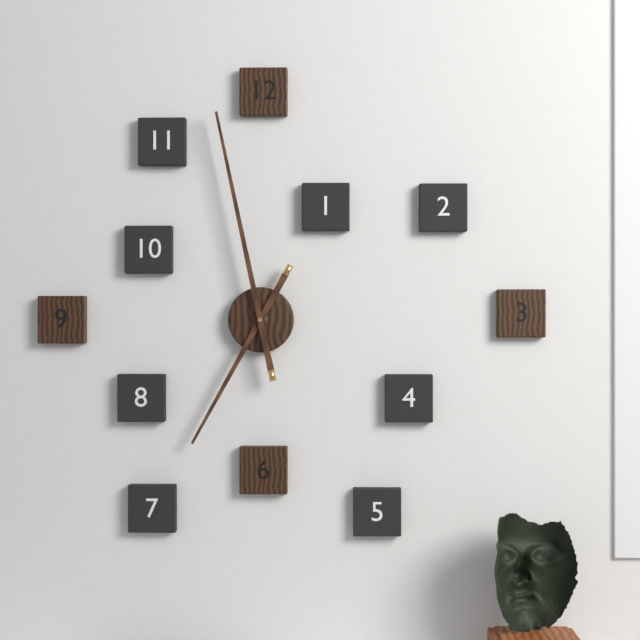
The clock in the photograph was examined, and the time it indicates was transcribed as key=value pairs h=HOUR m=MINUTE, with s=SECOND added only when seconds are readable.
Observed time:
h=6 m=58
